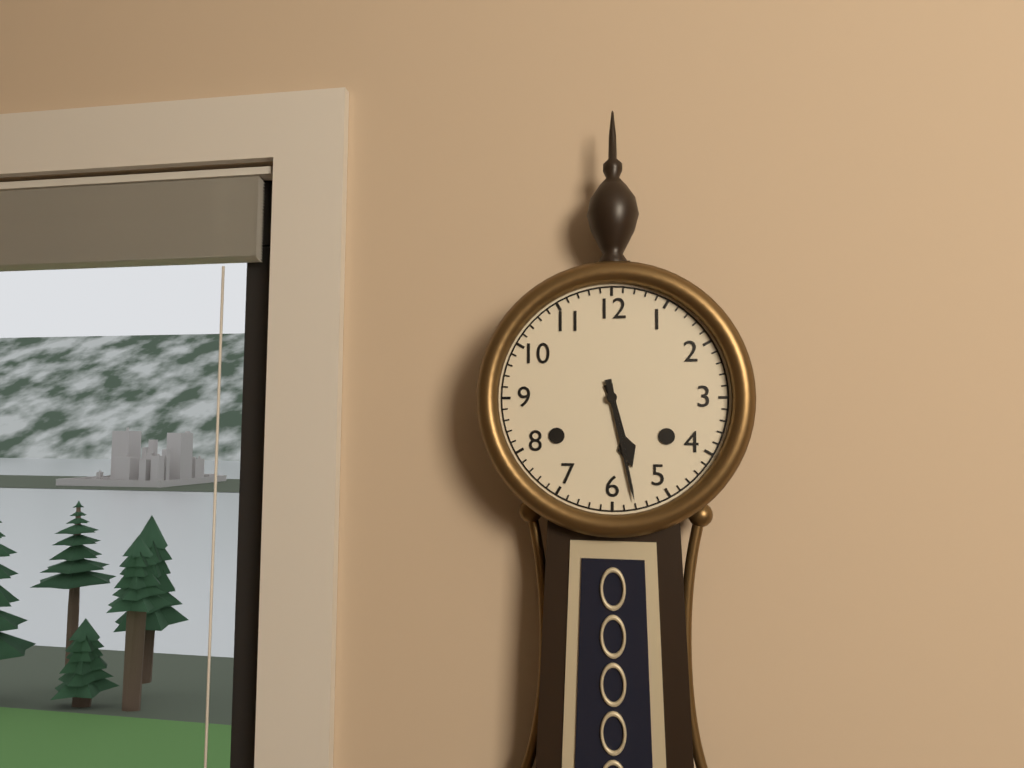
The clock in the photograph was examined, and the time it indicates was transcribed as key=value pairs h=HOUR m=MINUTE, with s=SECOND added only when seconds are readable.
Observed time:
h=5 m=28
